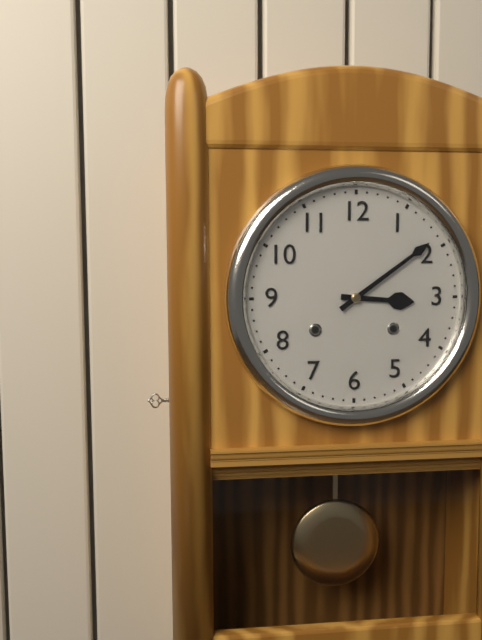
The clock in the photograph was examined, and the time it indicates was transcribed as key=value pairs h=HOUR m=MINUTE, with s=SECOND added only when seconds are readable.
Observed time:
h=3 m=9
